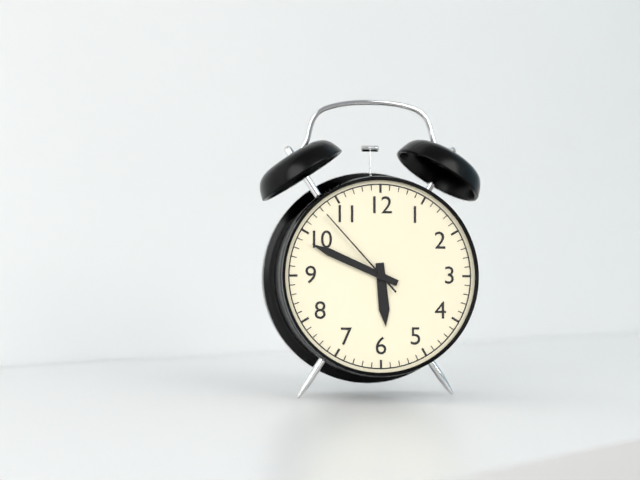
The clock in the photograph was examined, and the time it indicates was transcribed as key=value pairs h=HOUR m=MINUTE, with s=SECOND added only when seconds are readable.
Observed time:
h=5 m=49 s=53
